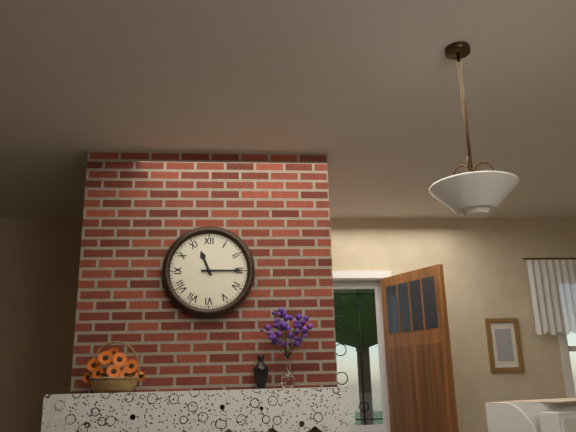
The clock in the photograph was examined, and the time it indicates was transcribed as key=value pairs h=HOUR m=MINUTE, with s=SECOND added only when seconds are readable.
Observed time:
h=11 m=15
